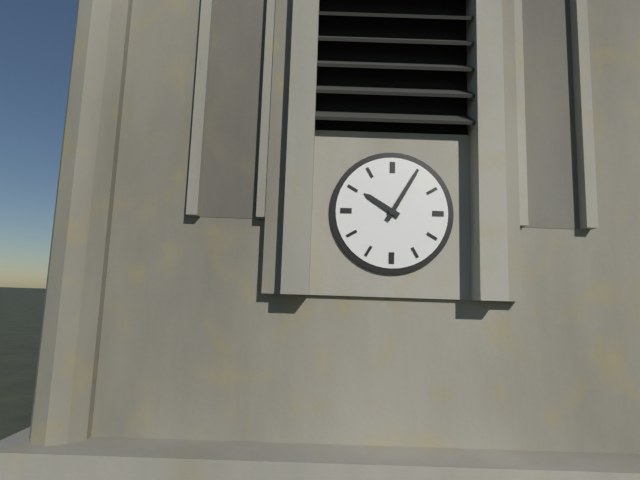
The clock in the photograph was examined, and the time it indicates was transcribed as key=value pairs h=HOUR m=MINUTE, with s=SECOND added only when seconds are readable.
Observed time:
h=10 m=5
